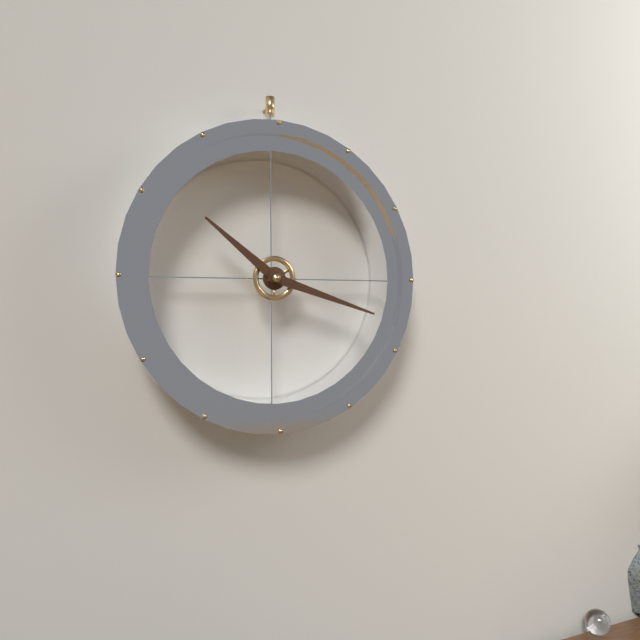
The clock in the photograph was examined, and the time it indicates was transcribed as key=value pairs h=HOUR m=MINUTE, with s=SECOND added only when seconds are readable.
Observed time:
h=10 m=18
